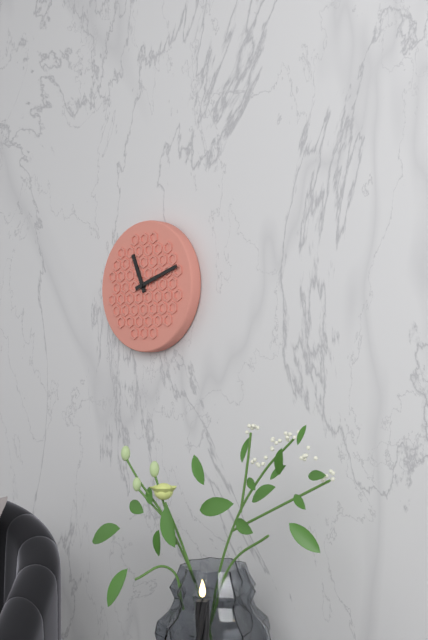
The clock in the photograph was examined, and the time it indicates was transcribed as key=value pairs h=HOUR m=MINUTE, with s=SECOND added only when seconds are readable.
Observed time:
h=11 m=12
